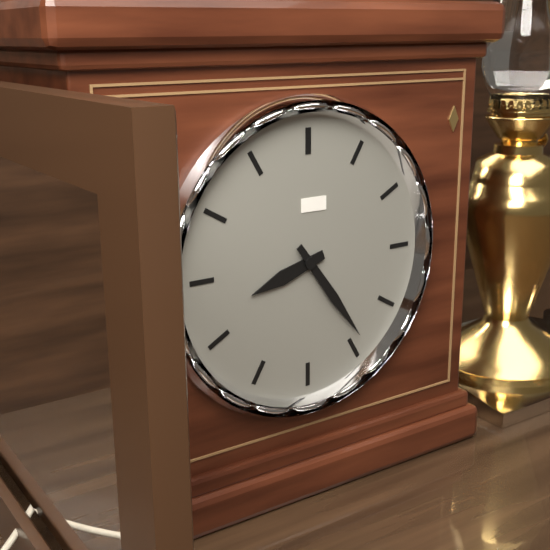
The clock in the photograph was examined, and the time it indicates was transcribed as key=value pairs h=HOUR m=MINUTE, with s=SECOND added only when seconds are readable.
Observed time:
h=8 m=24
